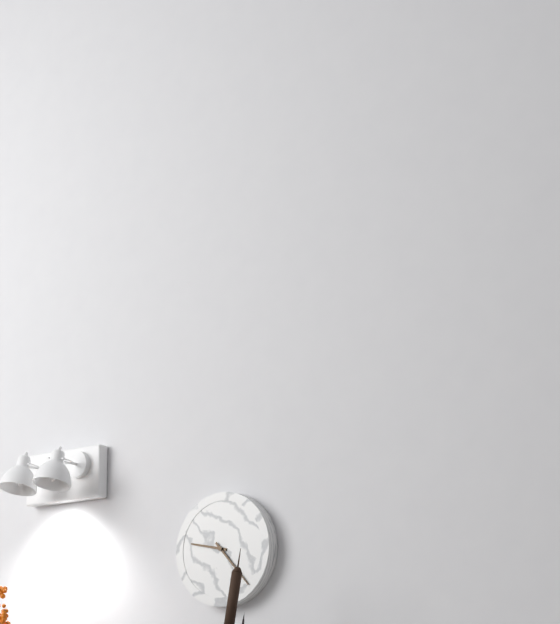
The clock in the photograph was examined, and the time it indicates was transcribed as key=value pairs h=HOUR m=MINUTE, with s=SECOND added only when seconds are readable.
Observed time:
h=9 m=23
